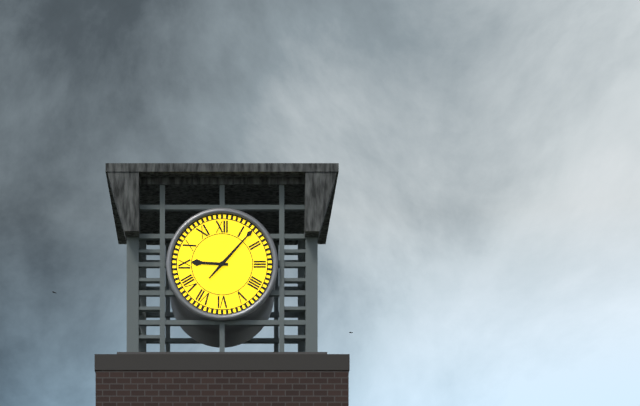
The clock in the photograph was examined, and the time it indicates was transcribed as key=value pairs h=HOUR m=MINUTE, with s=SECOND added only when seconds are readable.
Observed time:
h=9 m=7
